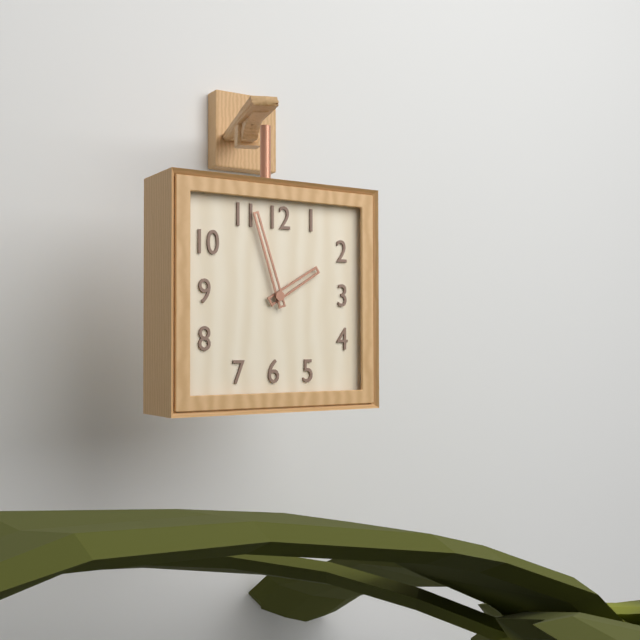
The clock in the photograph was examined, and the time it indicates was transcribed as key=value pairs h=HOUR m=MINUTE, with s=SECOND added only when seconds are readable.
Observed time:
h=1 m=57
